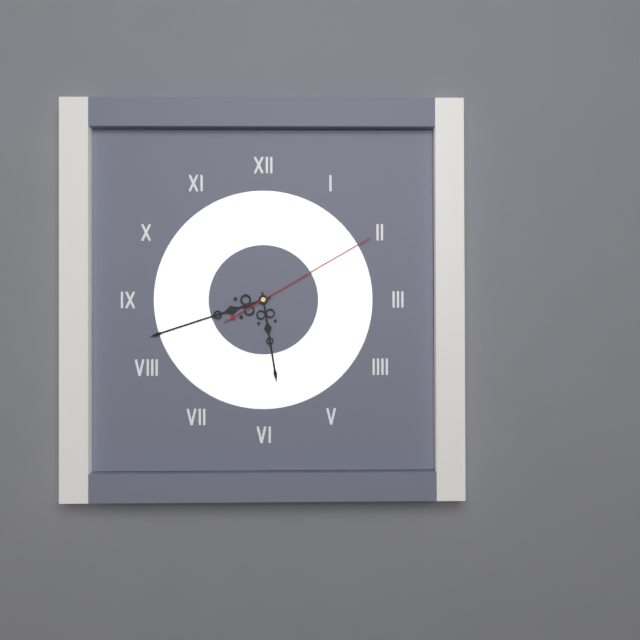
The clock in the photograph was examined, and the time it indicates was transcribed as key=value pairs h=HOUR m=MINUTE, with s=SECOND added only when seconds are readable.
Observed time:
h=5 m=42 s=10
